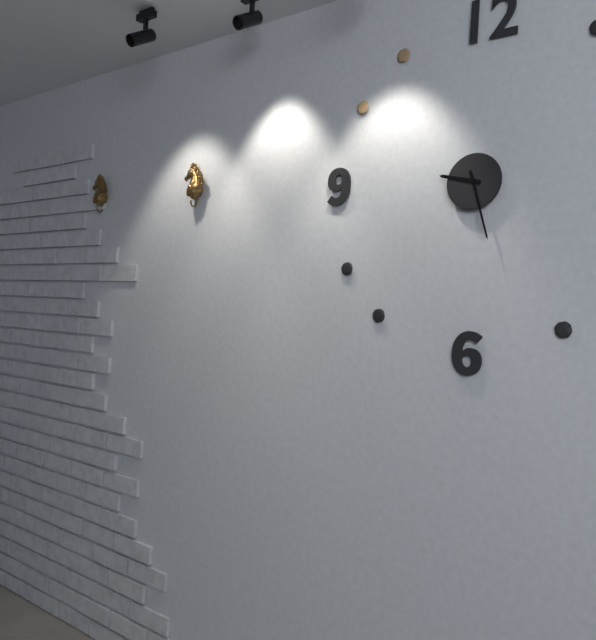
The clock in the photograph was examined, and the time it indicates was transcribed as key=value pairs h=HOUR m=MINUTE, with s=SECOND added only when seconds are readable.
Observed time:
h=9 m=27
